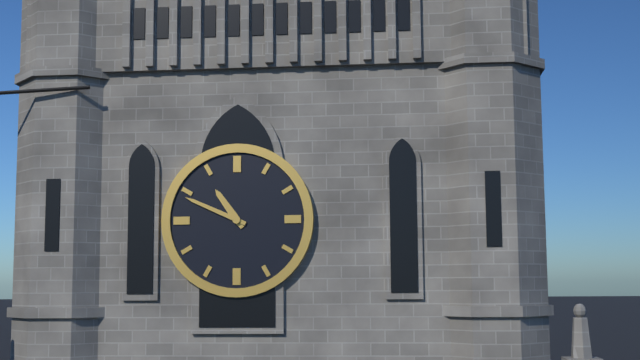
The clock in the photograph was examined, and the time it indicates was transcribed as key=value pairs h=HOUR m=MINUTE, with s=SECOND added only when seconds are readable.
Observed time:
h=10 m=49
